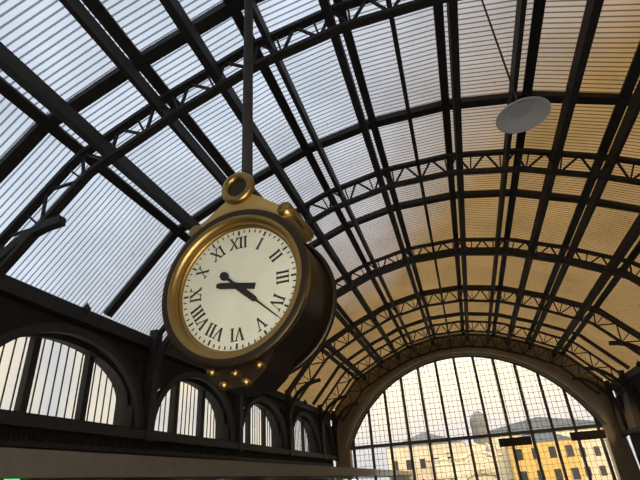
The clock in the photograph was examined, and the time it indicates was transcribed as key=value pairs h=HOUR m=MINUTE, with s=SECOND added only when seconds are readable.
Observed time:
h=9 m=22
